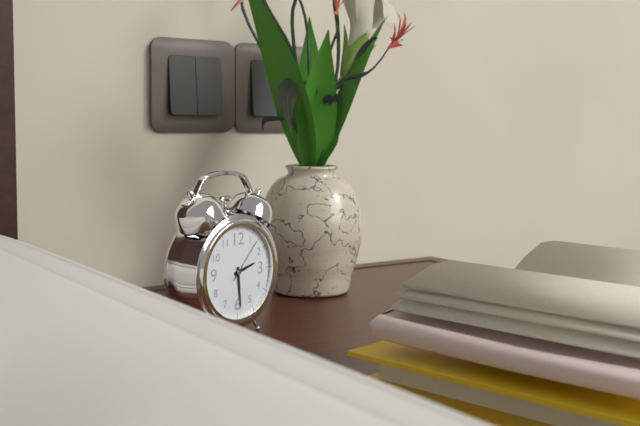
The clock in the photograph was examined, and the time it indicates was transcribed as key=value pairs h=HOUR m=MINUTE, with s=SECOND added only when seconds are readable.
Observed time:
h=2 m=29
